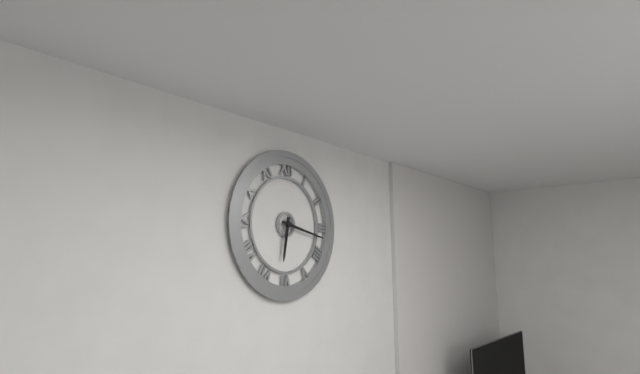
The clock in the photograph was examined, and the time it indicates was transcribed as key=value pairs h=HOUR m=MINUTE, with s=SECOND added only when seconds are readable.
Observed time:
h=6 m=17
